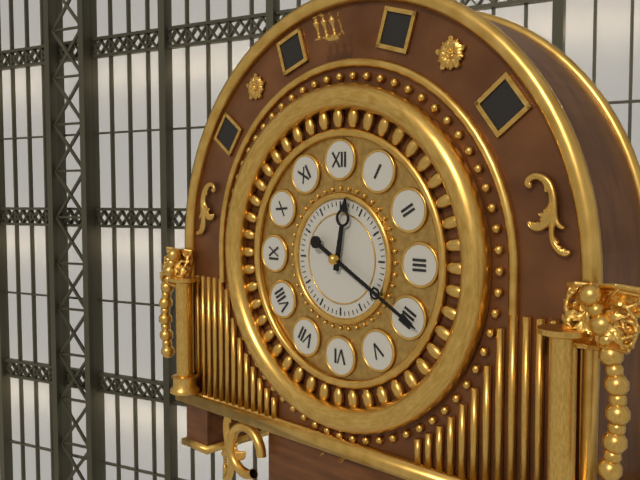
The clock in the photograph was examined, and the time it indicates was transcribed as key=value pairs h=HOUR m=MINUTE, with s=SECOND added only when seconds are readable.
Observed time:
h=12 m=20
